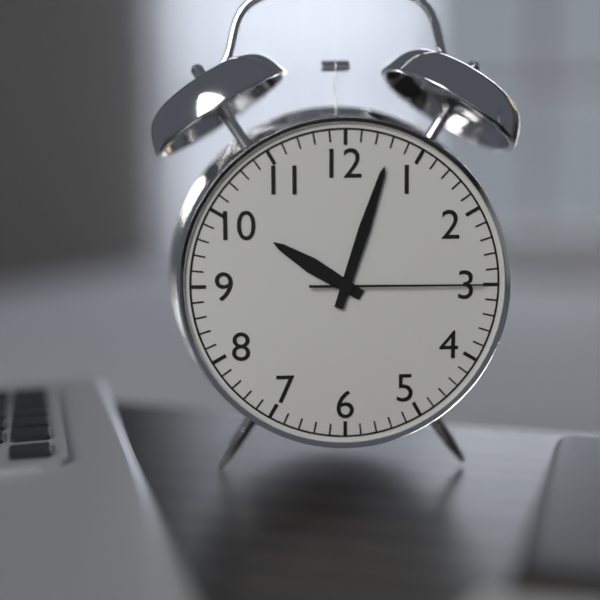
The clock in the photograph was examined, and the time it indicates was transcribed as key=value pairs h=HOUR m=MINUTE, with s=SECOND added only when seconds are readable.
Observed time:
h=10 m=3 s=15
